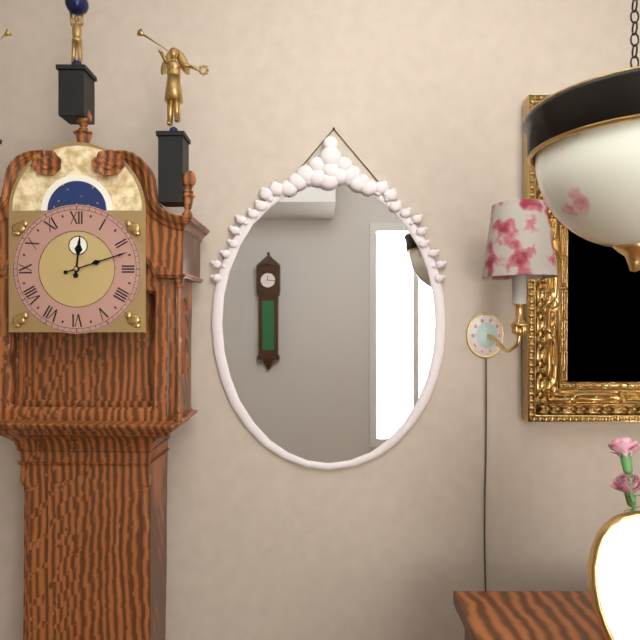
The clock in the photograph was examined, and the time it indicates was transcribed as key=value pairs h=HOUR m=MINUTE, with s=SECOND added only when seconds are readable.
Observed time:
h=12 m=12
